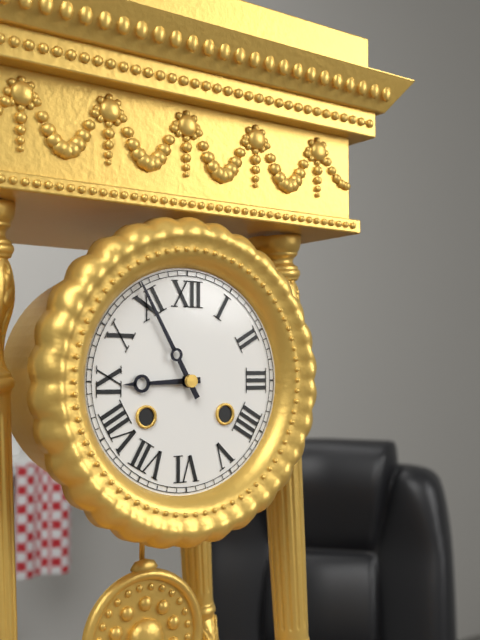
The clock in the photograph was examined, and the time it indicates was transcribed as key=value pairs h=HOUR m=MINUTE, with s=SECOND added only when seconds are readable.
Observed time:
h=8 m=55
